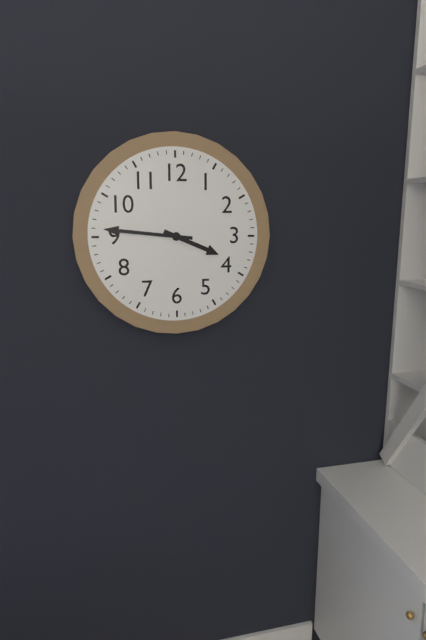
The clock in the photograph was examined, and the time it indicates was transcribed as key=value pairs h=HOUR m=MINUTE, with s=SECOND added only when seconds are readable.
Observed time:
h=3 m=46
